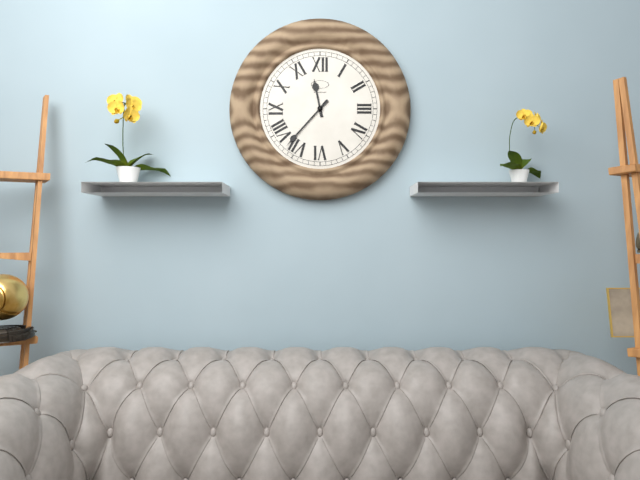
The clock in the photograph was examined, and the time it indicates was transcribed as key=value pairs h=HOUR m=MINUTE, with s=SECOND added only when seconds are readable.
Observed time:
h=11 m=37
